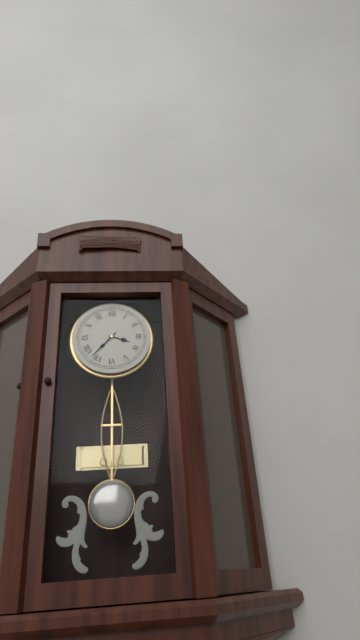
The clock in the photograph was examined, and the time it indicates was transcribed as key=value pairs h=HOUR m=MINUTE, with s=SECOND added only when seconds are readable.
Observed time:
h=3 m=37
